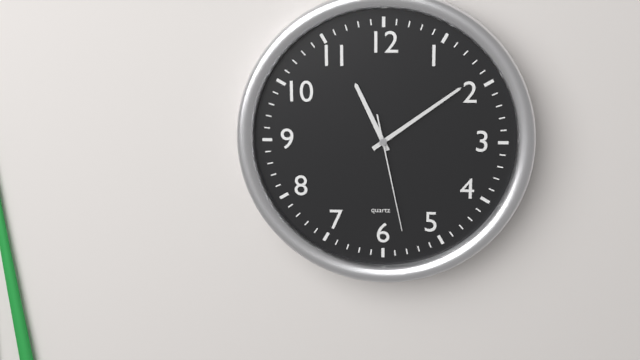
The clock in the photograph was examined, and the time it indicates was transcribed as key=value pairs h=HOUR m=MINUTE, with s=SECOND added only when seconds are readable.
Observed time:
h=11 m=9 s=28
